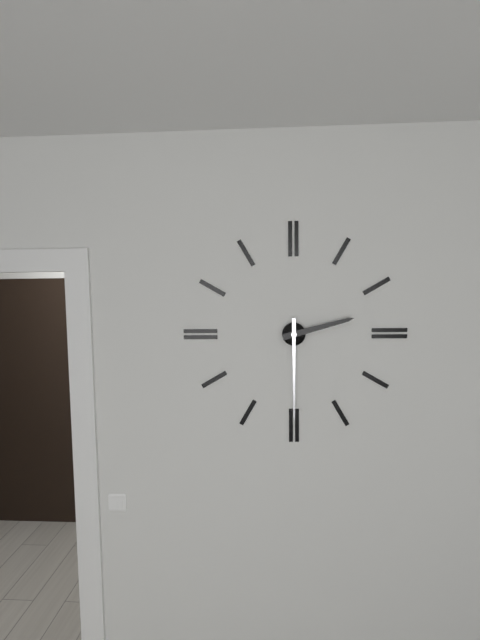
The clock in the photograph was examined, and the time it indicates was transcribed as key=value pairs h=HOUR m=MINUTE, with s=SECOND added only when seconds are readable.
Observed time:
h=2 m=30
